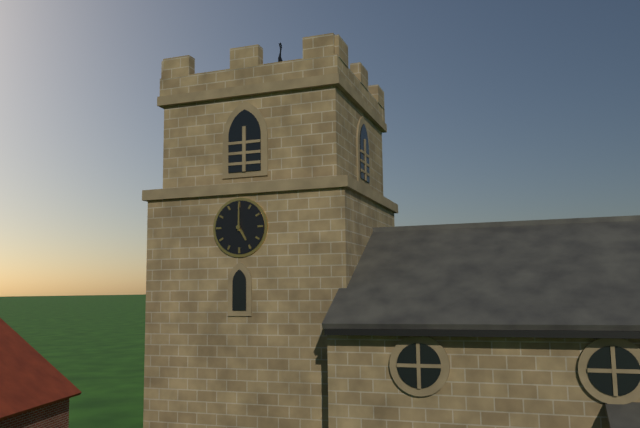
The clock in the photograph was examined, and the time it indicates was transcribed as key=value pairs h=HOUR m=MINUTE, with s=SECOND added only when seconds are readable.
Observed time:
h=5 m=0
